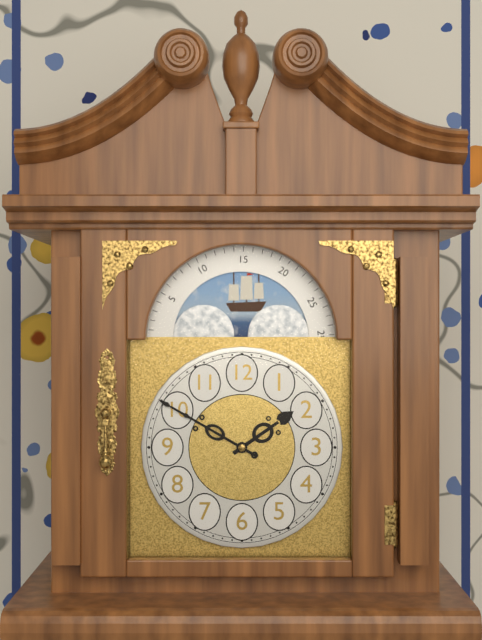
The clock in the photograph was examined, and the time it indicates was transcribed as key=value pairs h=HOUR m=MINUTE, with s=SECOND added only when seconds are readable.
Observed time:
h=1 m=50
